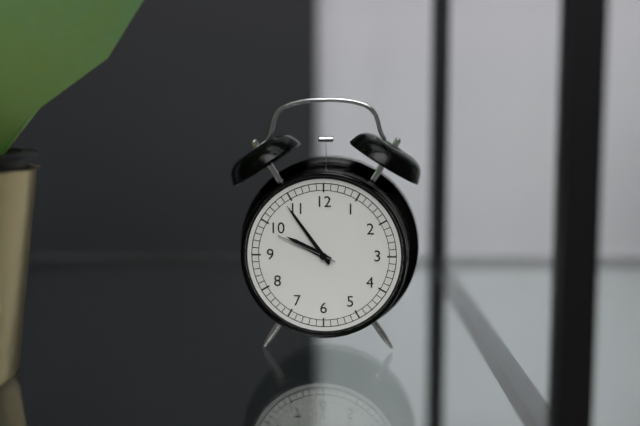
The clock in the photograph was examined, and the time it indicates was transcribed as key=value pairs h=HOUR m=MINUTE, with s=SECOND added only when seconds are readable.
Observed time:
h=9 m=54 s=49
